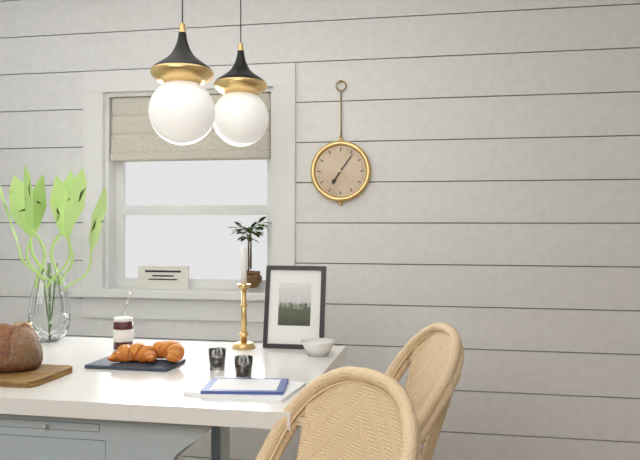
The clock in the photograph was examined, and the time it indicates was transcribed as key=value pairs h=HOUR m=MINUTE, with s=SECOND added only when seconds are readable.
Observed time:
h=7 m=6
